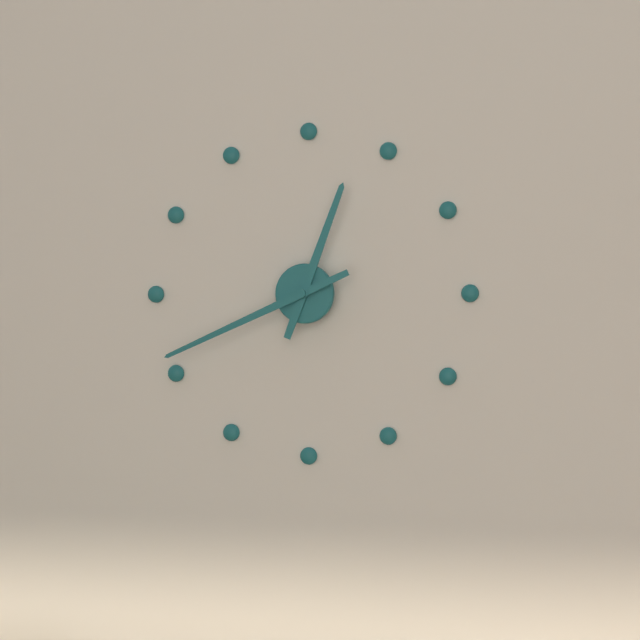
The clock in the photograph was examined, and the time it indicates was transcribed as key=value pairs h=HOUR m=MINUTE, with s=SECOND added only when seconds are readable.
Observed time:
h=12 m=41
